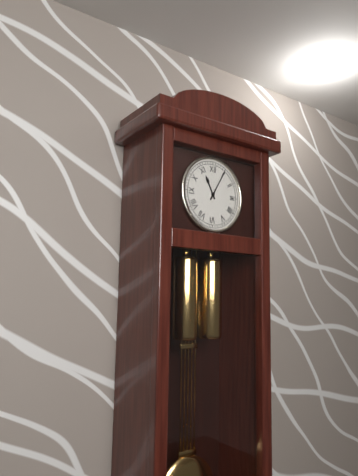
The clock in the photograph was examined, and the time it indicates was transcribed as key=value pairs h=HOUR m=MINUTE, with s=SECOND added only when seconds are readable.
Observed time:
h=11 m=5
